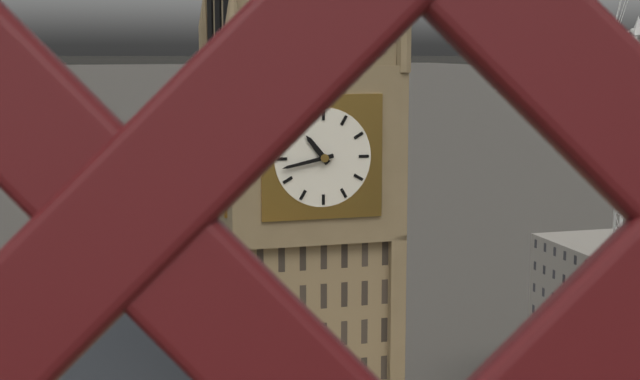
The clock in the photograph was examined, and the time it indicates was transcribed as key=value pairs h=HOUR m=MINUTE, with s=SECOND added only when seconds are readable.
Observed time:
h=10 m=43
